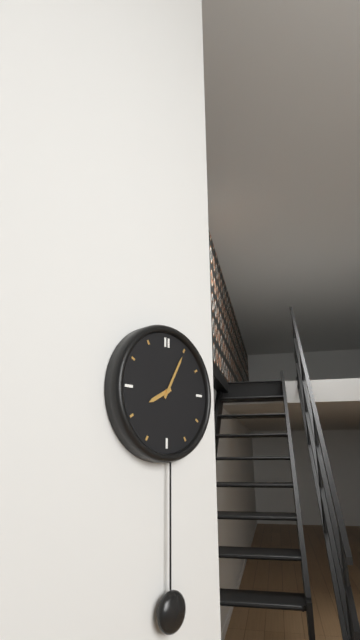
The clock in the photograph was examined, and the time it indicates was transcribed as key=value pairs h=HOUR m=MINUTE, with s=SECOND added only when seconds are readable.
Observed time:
h=8 m=5
